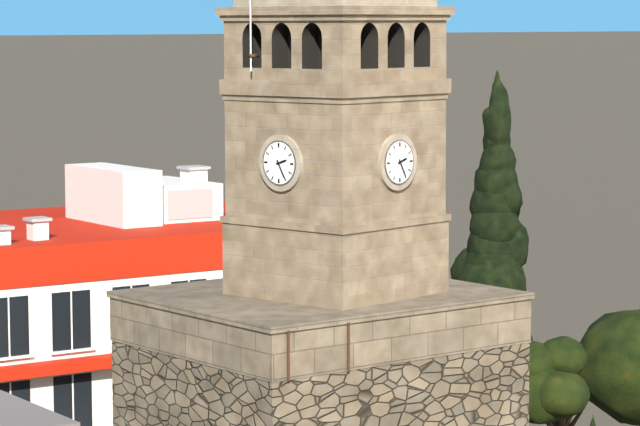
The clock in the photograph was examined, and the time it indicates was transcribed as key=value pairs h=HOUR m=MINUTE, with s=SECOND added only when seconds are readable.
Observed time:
h=2 m=25
